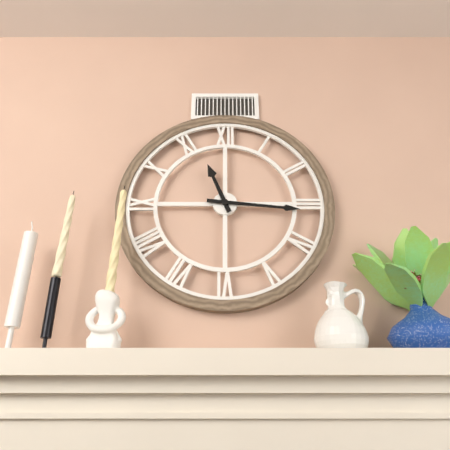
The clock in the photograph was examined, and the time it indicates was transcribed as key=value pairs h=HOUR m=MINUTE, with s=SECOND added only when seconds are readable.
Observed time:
h=11 m=16
